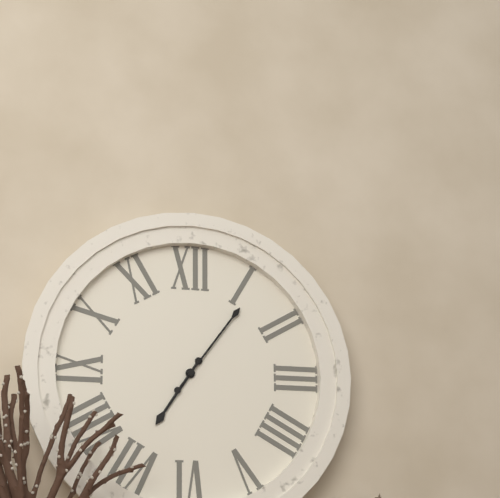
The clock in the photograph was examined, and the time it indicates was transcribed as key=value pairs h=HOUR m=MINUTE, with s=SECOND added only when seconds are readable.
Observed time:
h=7 m=6
